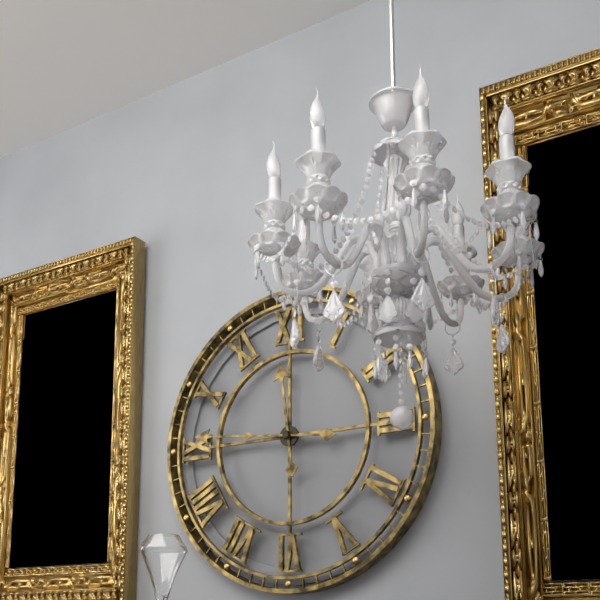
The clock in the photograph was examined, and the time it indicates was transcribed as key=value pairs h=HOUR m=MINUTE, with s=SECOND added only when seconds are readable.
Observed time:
h=11 m=46
